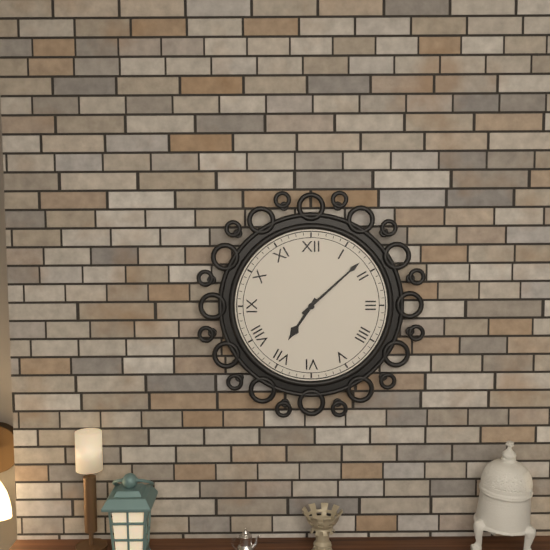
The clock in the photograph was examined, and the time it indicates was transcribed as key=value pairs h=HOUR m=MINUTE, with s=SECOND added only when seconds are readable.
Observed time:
h=7 m=8
